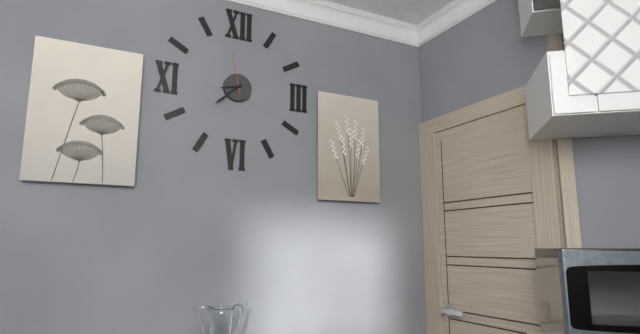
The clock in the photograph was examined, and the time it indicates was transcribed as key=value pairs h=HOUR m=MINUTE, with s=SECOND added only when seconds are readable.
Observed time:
h=8 m=38
